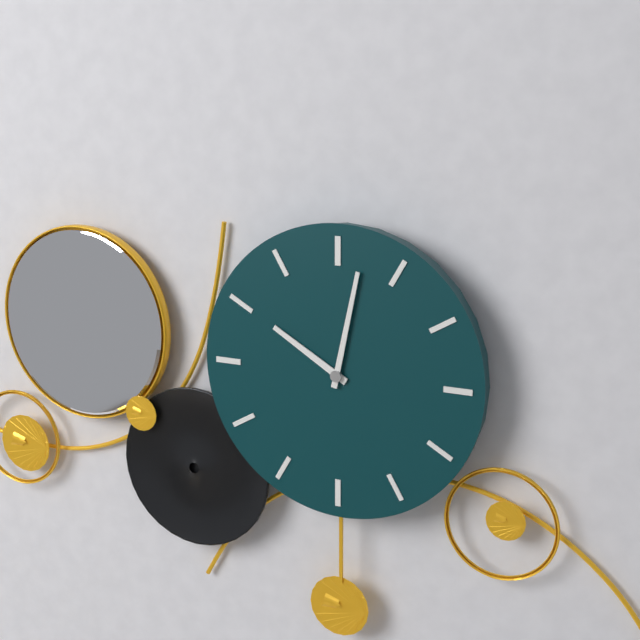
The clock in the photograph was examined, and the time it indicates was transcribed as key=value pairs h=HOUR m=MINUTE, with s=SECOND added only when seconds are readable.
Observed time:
h=10 m=2
